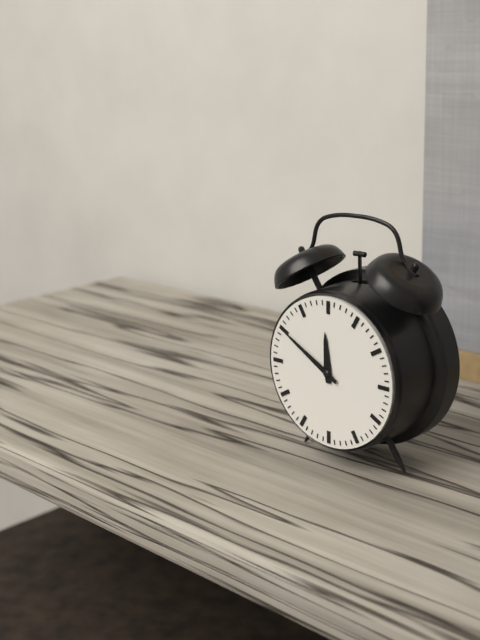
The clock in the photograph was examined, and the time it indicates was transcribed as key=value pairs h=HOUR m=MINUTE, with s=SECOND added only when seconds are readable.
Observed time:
h=11 m=50
